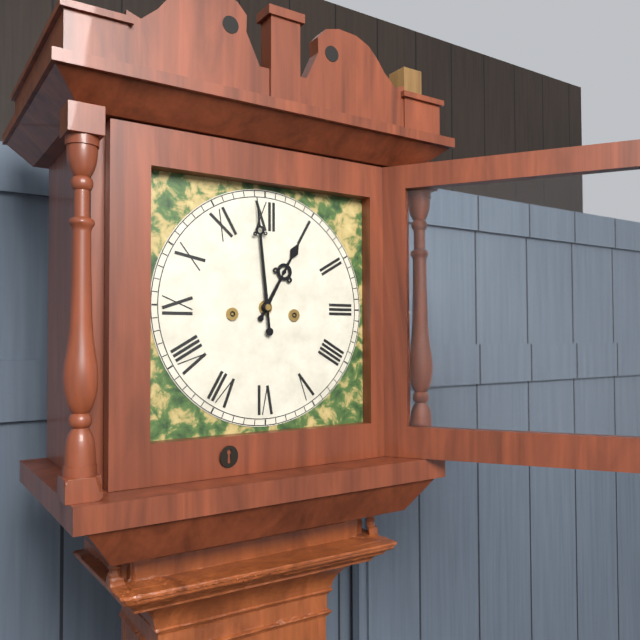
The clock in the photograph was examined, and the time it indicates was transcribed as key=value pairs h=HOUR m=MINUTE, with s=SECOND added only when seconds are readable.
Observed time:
h=12 m=59
